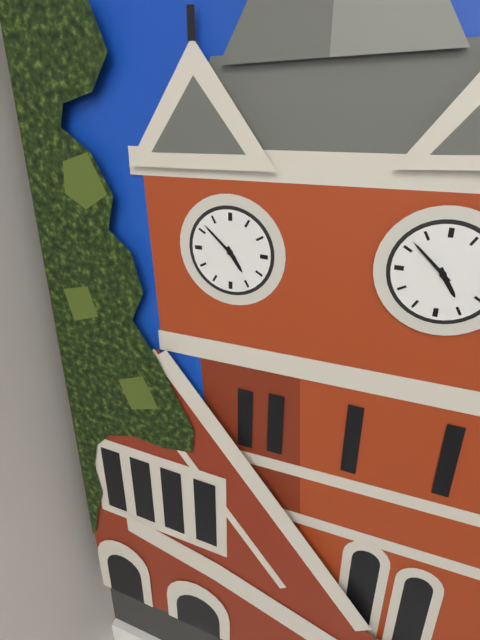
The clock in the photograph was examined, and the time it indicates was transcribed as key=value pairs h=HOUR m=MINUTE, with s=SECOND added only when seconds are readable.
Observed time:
h=4 m=52
